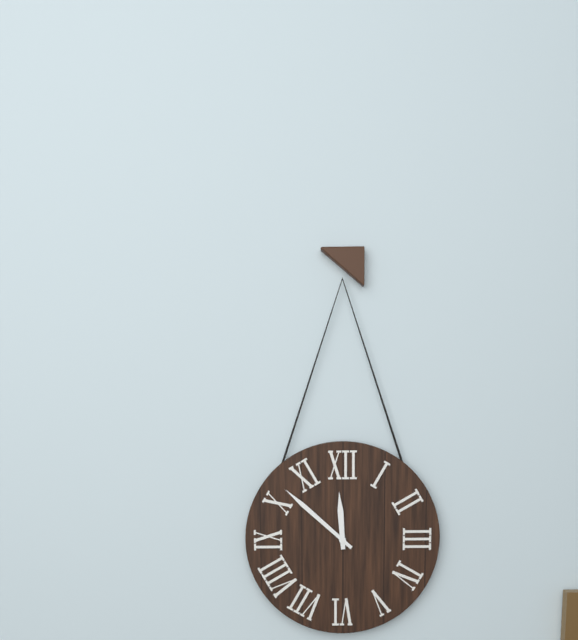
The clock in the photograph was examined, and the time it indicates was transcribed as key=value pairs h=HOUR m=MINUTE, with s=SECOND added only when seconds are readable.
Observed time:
h=11 m=52
